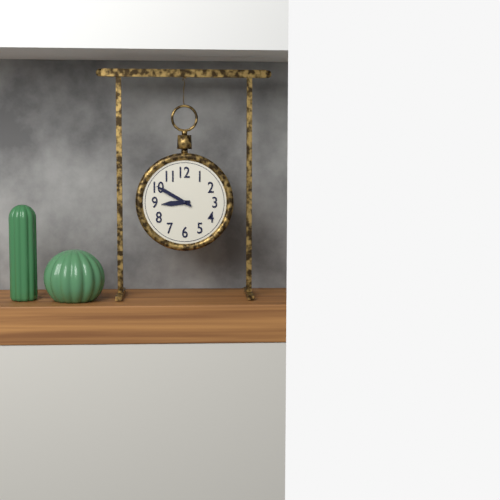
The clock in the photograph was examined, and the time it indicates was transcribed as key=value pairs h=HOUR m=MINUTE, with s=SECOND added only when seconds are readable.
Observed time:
h=8 m=50
